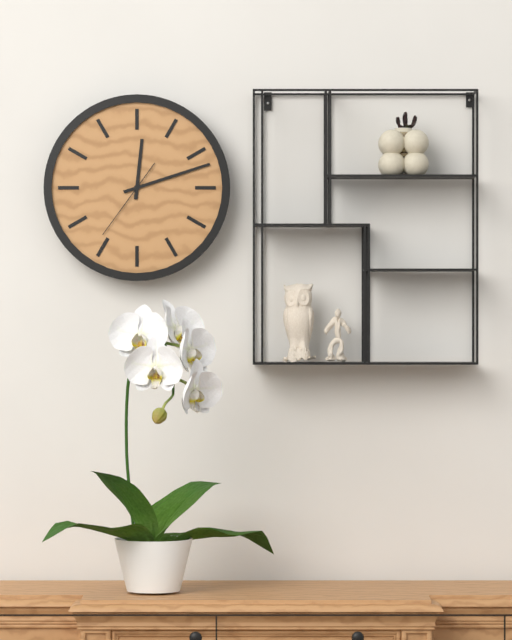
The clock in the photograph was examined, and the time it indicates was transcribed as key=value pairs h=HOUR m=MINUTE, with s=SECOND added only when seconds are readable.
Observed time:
h=12 m=12 s=36
